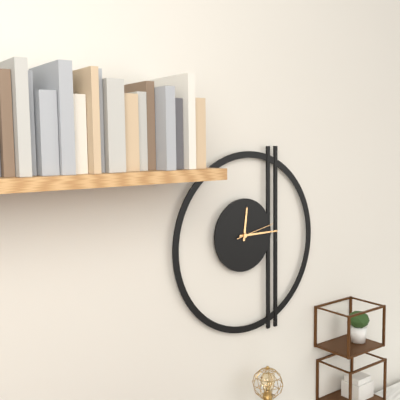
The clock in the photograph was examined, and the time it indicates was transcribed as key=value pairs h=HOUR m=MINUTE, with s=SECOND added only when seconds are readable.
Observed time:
h=12 m=15
